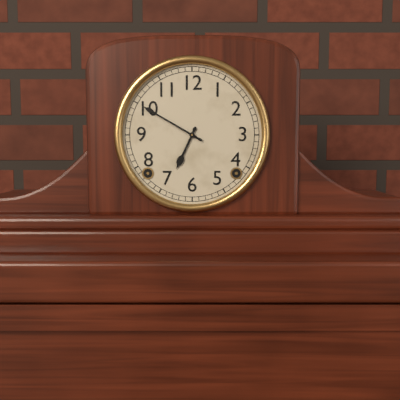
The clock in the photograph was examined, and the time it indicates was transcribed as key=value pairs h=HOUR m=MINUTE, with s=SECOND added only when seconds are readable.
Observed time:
h=6 m=50
